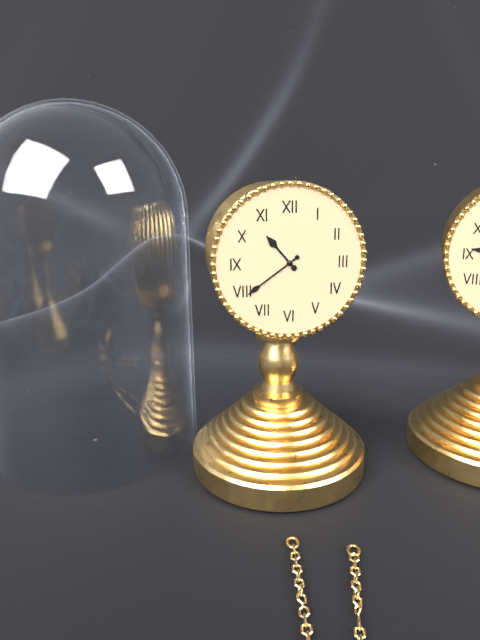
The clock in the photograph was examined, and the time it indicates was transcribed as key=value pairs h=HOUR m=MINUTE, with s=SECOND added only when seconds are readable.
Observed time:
h=10 m=39
